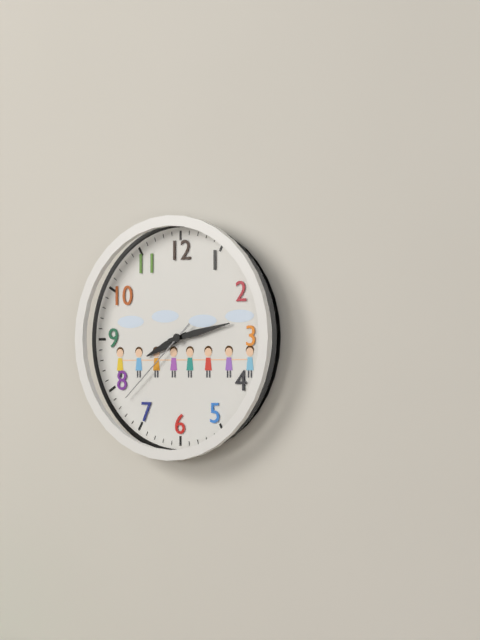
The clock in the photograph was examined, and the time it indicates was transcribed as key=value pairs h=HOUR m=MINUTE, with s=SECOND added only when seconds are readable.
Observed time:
h=8 m=13 s=38
